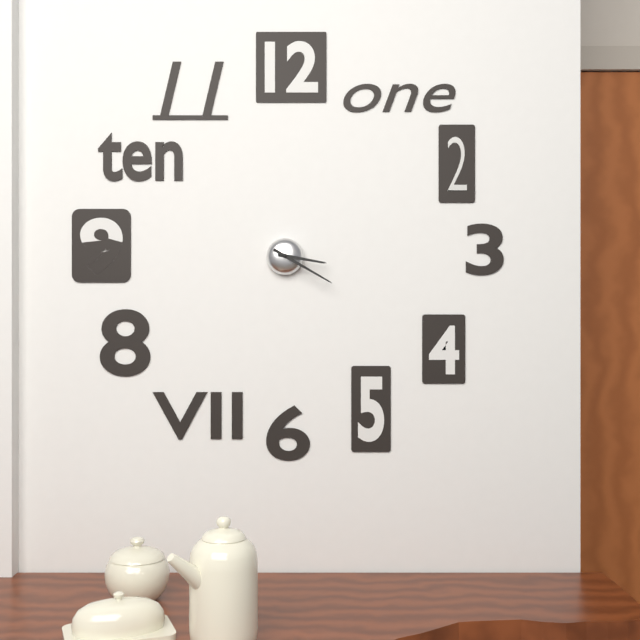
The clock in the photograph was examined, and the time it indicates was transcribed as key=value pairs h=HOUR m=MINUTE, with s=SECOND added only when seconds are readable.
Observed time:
h=3 m=20
